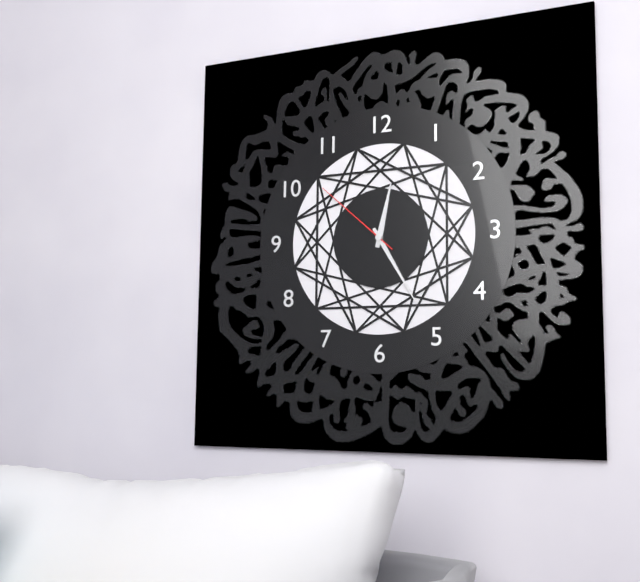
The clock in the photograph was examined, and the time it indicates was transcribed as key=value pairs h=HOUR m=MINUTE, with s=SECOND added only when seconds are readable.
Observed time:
h=12 m=25 s=52
